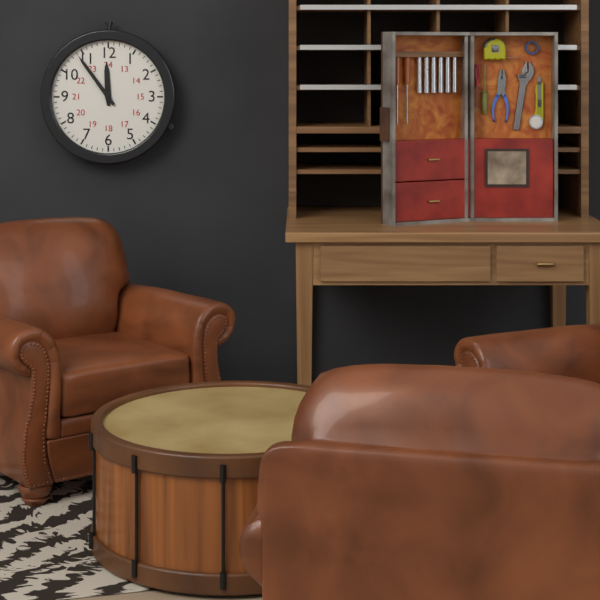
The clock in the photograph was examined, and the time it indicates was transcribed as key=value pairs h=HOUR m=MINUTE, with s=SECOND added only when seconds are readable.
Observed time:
h=11 m=54
